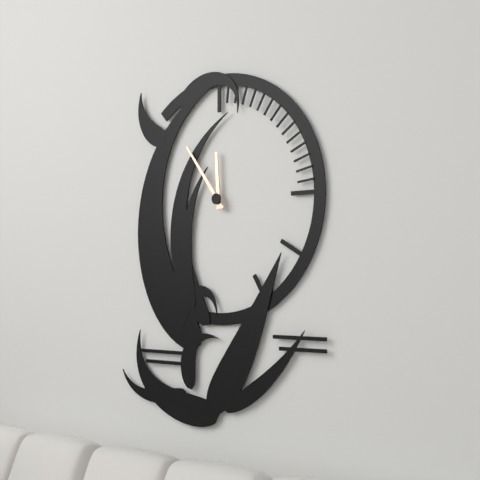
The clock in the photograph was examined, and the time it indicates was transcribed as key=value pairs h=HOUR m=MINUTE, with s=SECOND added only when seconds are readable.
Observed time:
h=11 m=54
